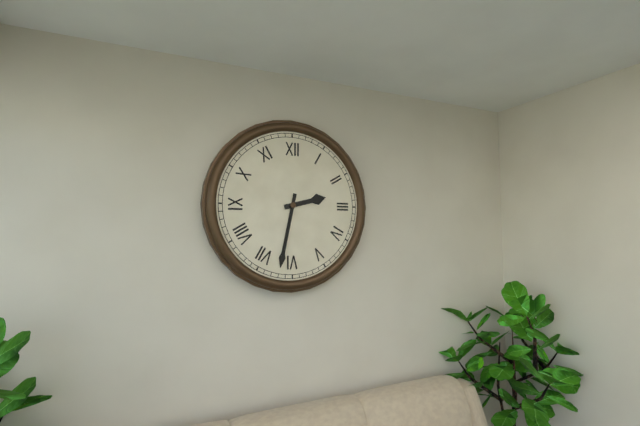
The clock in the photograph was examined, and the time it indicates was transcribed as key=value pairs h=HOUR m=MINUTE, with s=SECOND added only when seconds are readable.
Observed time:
h=2 m=32
